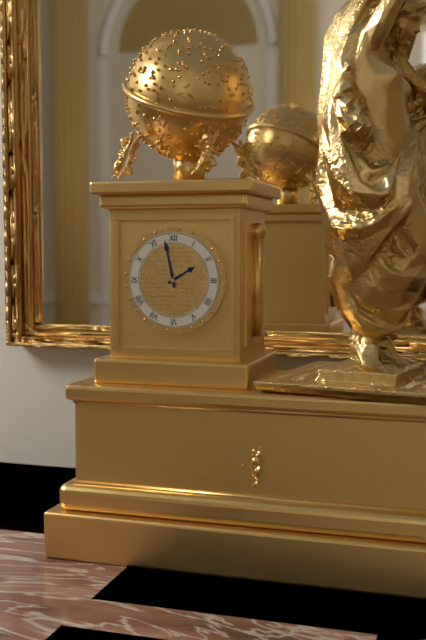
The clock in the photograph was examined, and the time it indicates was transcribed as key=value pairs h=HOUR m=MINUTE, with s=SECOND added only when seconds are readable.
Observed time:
h=1 m=58
